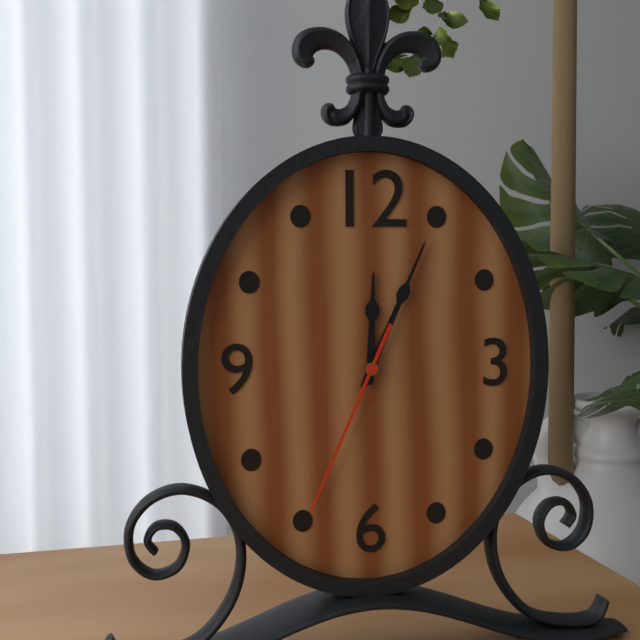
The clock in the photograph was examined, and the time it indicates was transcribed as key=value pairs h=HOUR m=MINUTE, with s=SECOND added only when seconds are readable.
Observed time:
h=12 m=4 s=34
